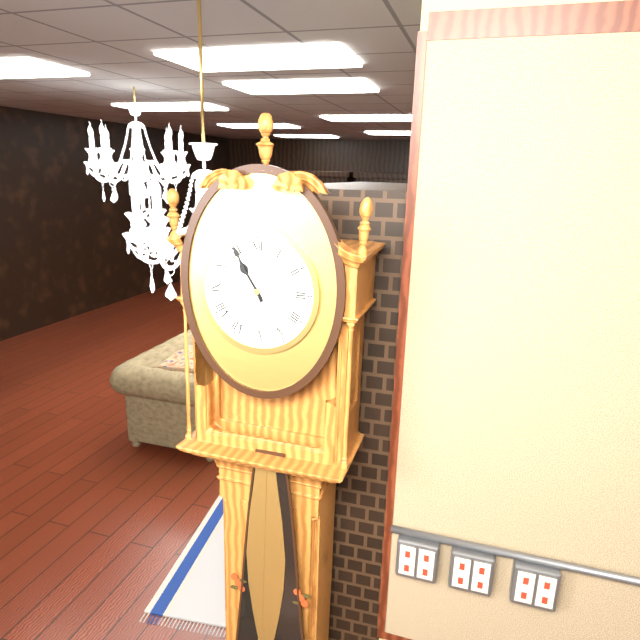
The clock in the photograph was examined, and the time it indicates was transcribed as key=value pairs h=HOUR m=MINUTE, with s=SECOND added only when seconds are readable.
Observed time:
h=10 m=55
